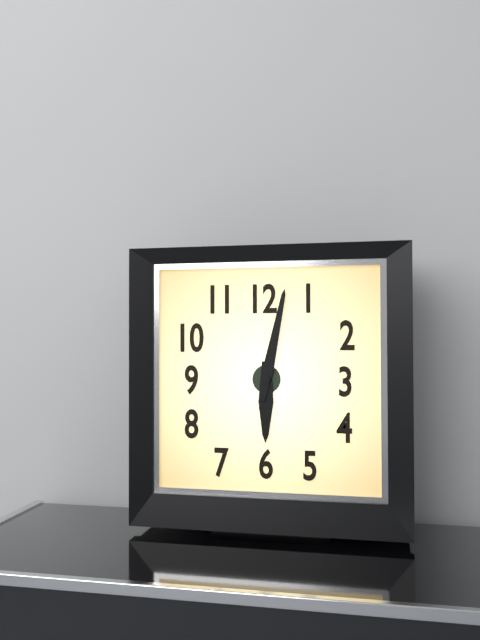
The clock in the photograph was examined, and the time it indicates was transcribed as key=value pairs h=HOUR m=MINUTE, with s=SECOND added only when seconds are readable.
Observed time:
h=6 m=2
